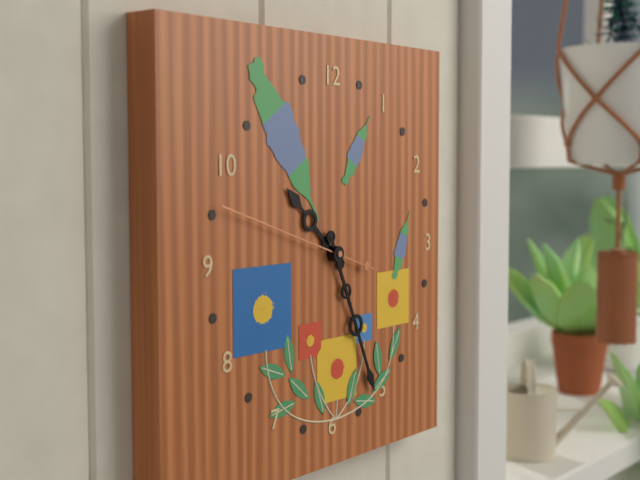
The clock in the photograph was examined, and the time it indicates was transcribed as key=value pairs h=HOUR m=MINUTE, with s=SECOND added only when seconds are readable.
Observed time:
h=10 m=26 s=48
